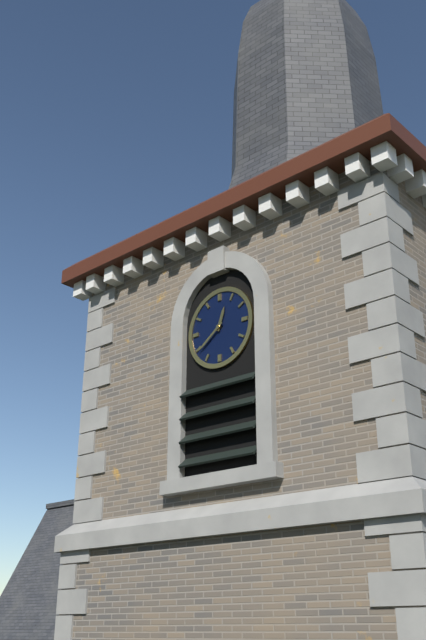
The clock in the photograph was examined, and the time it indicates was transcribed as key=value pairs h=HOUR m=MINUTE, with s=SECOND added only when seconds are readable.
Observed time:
h=12 m=39
